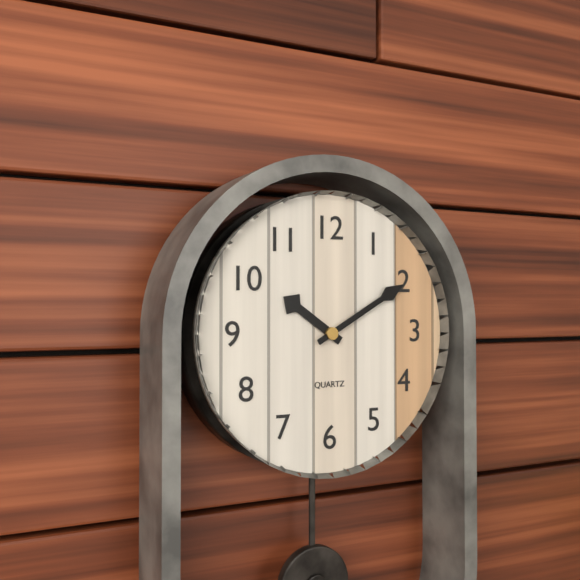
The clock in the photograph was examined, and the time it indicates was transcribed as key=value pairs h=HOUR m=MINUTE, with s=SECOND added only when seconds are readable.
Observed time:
h=10 m=10
